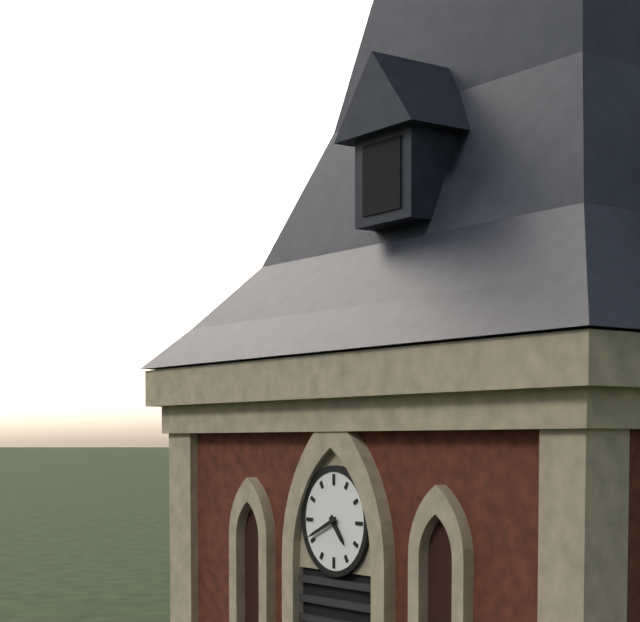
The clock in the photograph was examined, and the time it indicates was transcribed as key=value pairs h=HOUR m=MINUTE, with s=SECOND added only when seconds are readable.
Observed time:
h=4 m=41
